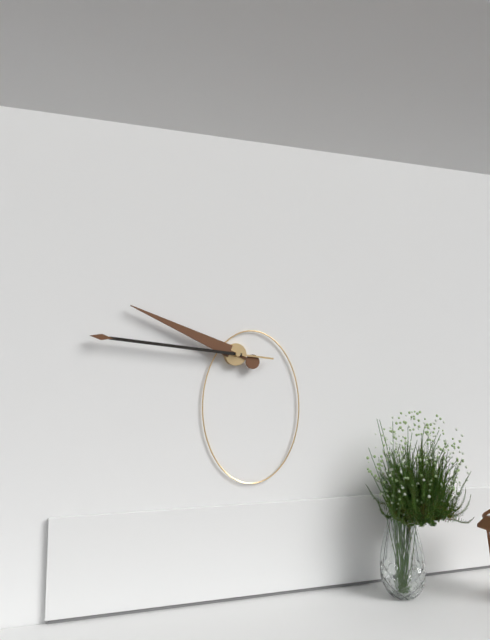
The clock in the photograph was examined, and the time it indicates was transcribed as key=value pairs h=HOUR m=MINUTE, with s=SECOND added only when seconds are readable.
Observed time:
h=9 m=46
